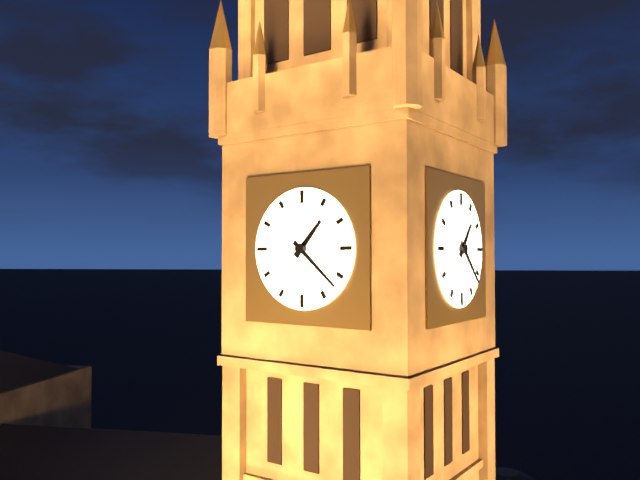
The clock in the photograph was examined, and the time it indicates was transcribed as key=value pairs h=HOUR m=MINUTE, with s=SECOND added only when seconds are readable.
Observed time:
h=1 m=22
